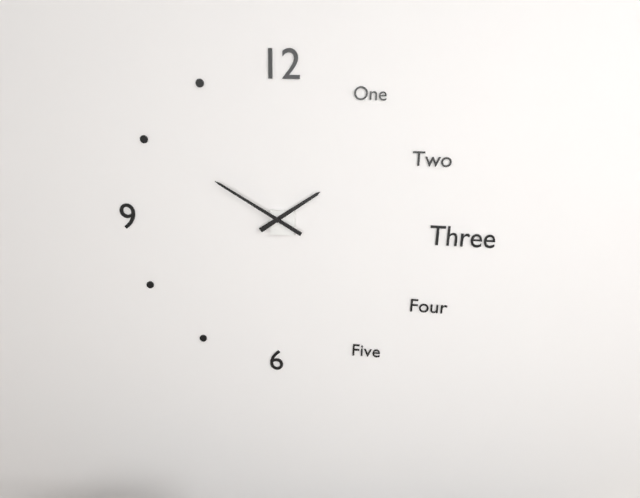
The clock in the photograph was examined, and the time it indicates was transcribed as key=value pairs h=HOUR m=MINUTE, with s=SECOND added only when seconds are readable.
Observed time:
h=1 m=50
